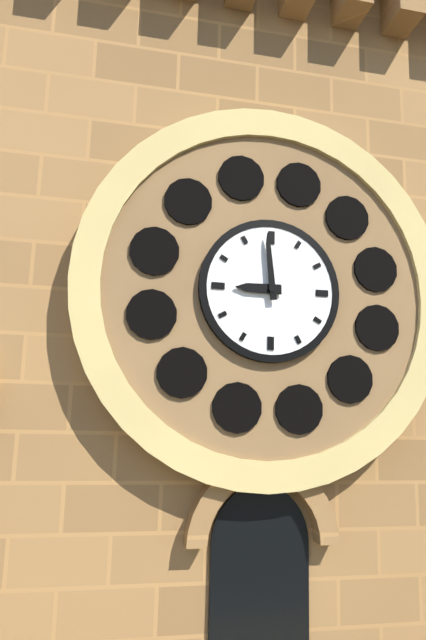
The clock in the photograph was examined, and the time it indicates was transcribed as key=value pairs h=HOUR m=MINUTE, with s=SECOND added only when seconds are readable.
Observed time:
h=8 m=59
